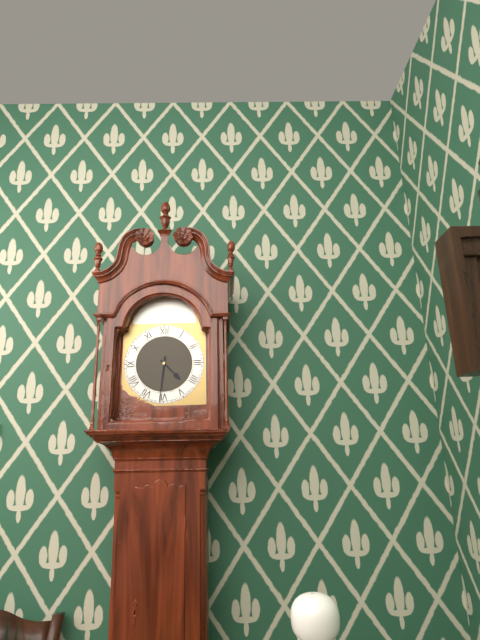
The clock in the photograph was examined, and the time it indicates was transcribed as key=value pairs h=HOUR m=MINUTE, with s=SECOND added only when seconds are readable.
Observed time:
h=4 m=31
